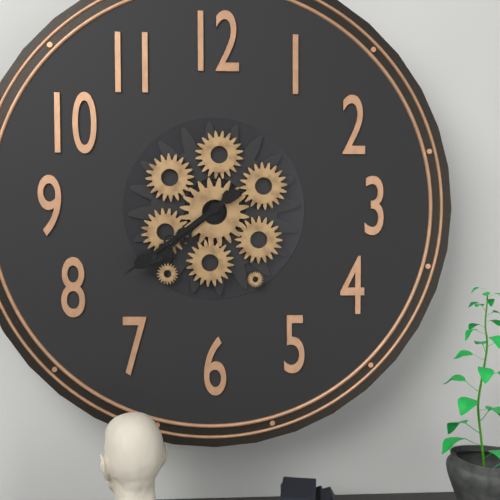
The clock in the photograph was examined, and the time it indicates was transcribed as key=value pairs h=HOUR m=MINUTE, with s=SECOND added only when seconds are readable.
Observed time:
h=7 m=39
